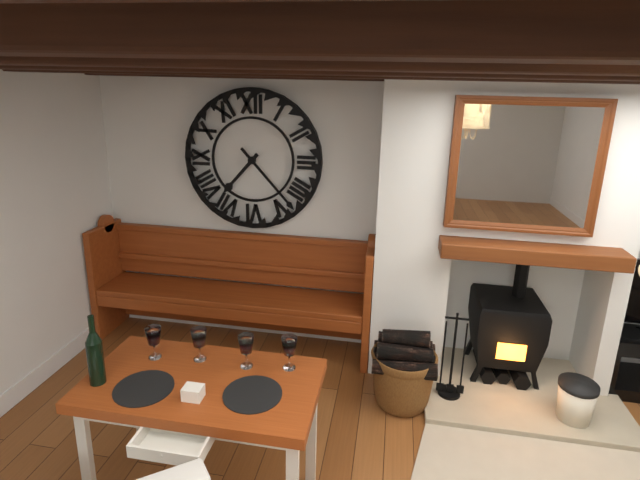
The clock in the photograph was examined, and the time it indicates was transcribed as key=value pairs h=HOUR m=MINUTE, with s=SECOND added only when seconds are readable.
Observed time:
h=7 m=23
